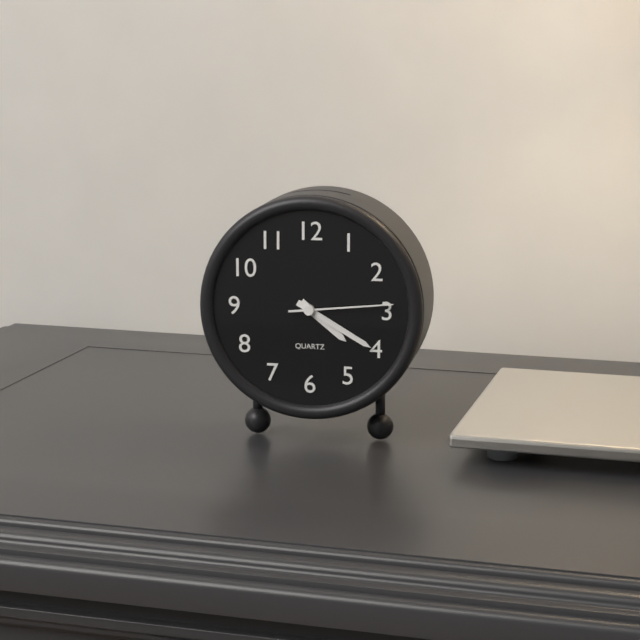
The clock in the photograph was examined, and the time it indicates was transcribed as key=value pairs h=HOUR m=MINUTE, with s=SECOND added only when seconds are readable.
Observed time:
h=4 m=20 s=14
